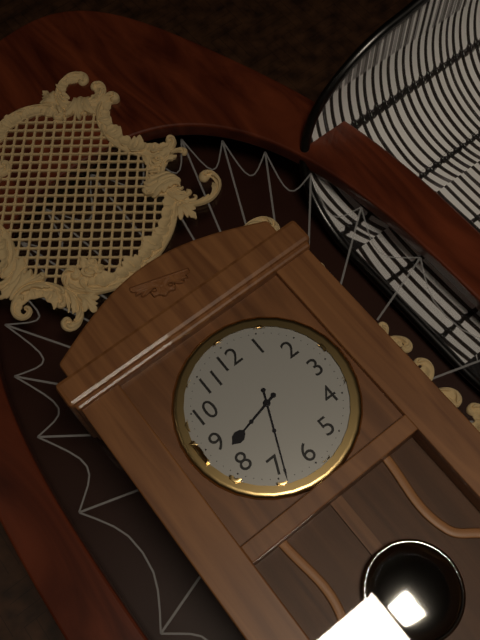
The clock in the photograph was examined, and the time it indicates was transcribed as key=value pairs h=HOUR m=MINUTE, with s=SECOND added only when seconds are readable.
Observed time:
h=8 m=34
